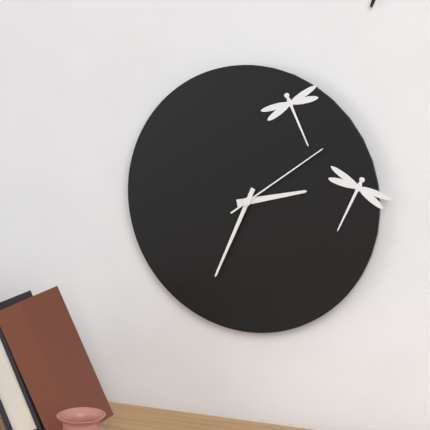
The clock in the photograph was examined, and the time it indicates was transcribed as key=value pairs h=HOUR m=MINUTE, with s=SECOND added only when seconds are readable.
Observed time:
h=2 m=34 s=9
